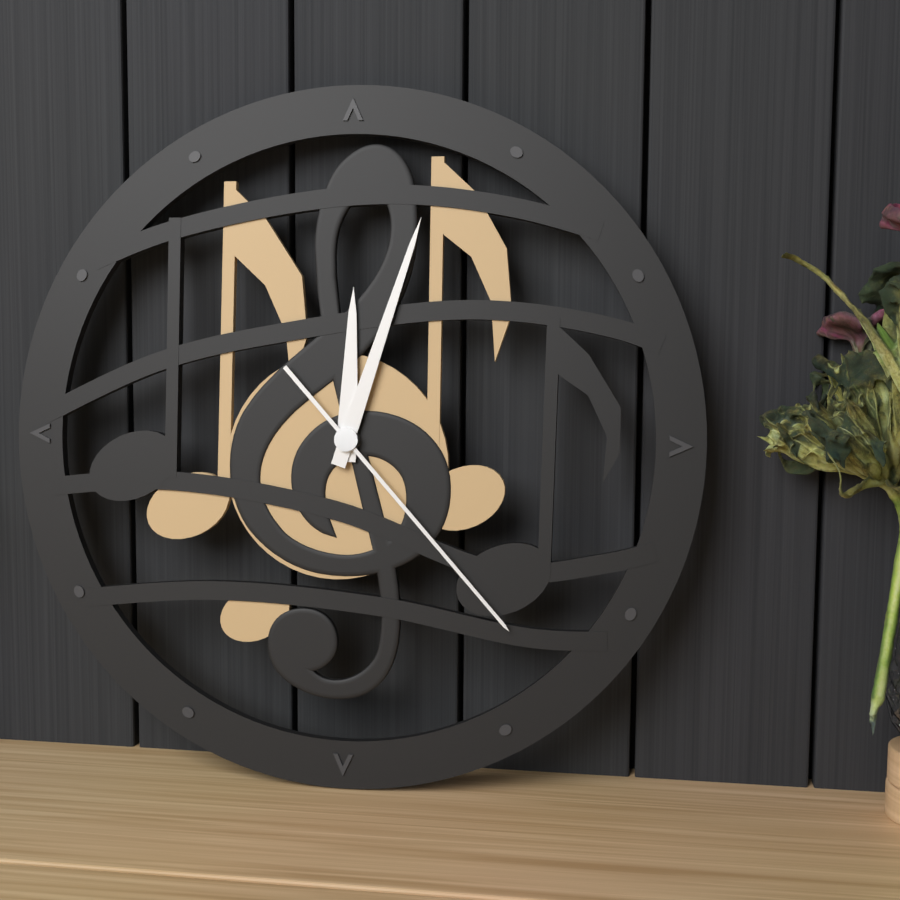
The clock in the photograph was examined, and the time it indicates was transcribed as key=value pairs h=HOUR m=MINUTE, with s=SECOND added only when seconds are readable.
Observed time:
h=12 m=3 s=23
